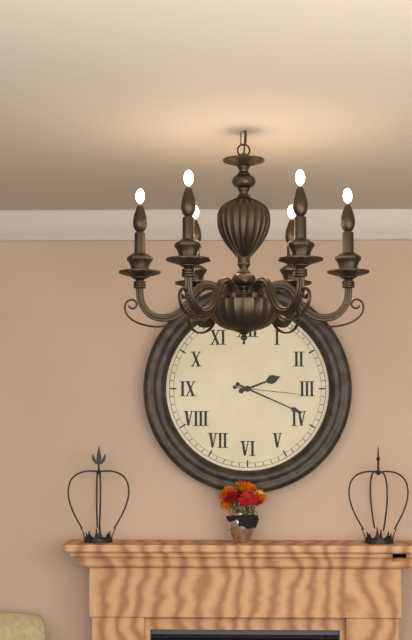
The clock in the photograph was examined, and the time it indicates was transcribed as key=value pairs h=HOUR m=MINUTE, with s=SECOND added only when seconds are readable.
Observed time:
h=2 m=19 s=16
